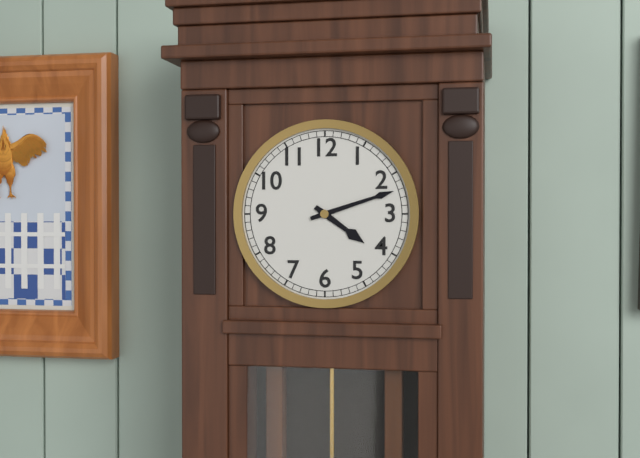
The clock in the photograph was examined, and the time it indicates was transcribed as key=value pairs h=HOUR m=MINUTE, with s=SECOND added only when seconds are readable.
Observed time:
h=4 m=12
